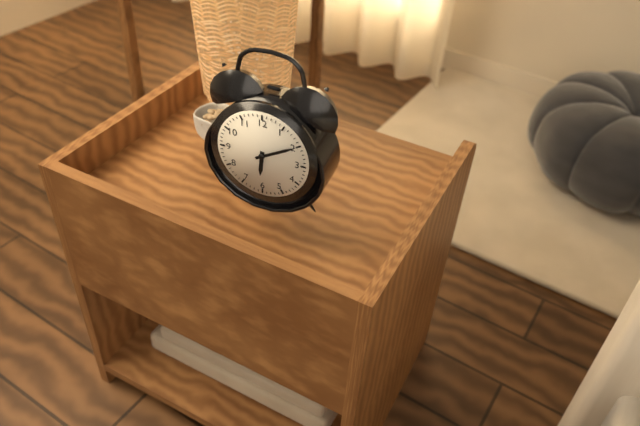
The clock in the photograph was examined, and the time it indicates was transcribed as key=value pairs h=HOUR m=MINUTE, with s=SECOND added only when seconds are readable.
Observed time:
h=6 m=10
